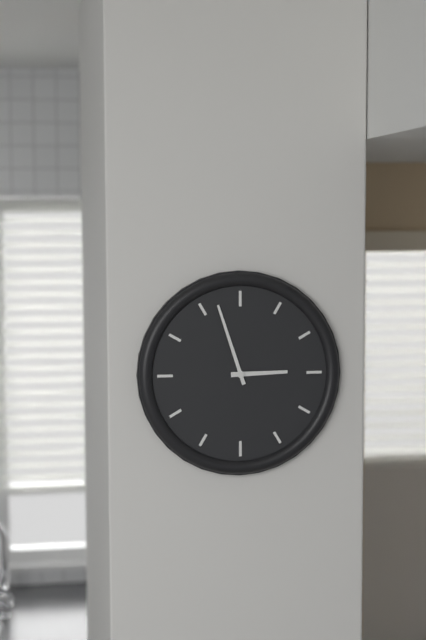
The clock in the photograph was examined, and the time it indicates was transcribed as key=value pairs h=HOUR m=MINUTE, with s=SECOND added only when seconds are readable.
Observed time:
h=2 m=57
